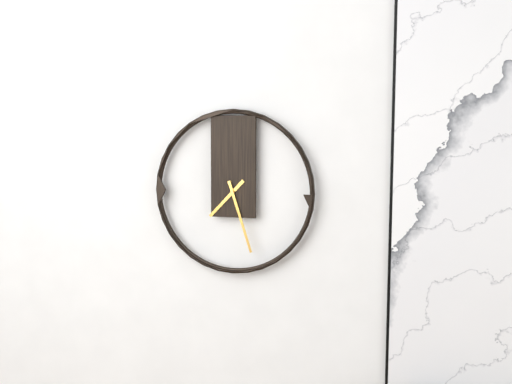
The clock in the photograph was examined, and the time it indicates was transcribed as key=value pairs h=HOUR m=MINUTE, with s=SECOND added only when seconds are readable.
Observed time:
h=7 m=27
